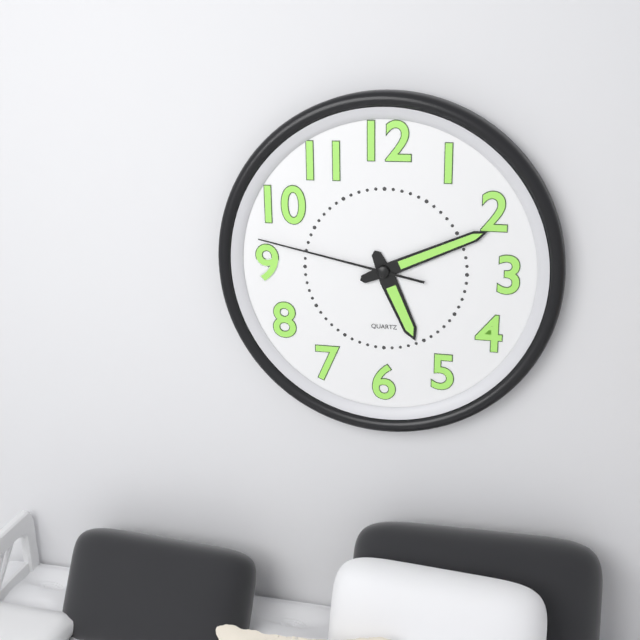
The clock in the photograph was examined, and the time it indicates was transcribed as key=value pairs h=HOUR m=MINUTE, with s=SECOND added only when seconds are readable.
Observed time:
h=5 m=11 s=47
